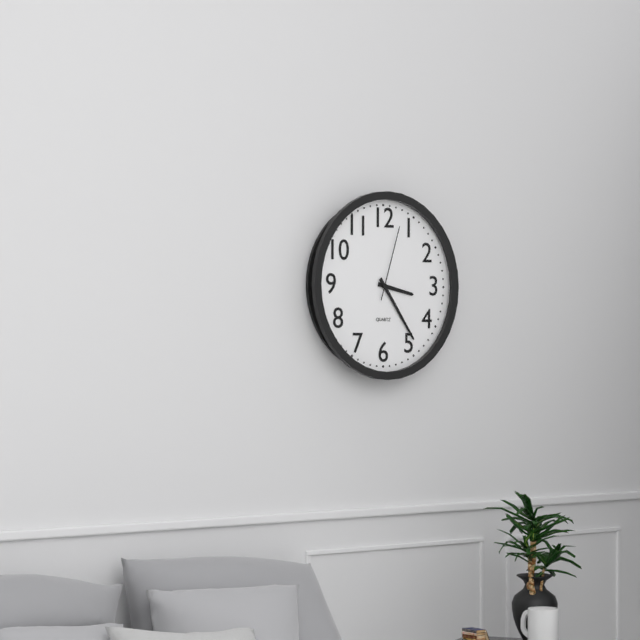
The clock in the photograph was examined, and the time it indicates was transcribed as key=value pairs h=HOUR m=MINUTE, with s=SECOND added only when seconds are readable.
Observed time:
h=3 m=24 s=3
